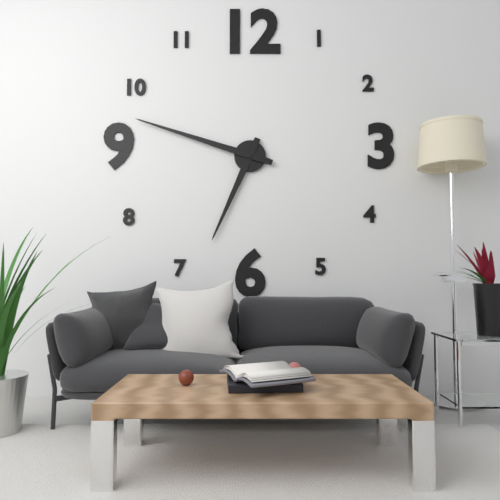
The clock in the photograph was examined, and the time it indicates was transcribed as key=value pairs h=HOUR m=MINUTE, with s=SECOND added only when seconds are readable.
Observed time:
h=6 m=48
